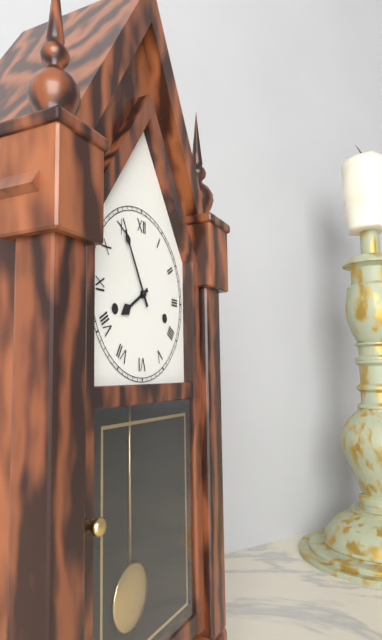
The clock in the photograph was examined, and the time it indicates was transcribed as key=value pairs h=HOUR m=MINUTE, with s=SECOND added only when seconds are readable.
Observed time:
h=7 m=55
